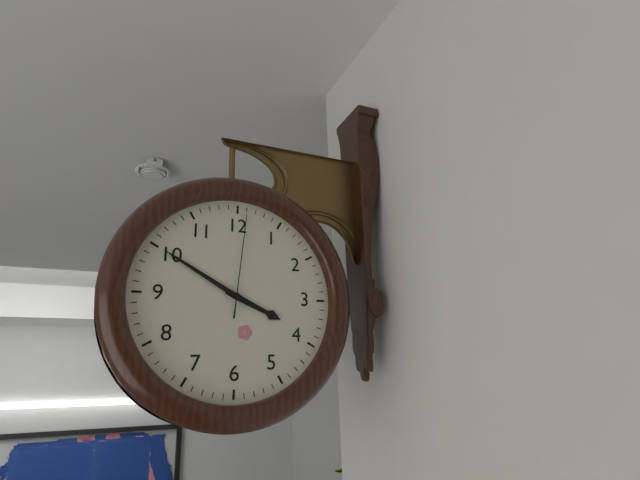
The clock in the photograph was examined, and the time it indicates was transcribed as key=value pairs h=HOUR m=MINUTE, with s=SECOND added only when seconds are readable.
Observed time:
h=3 m=50 s=1
